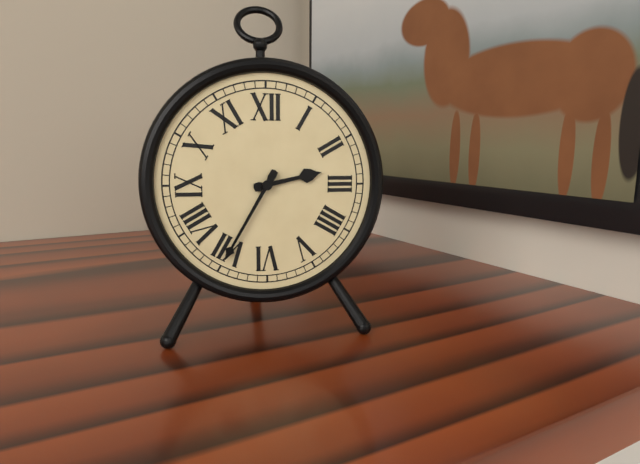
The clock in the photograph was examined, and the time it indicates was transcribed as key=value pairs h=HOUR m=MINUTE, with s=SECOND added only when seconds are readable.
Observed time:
h=2 m=35
